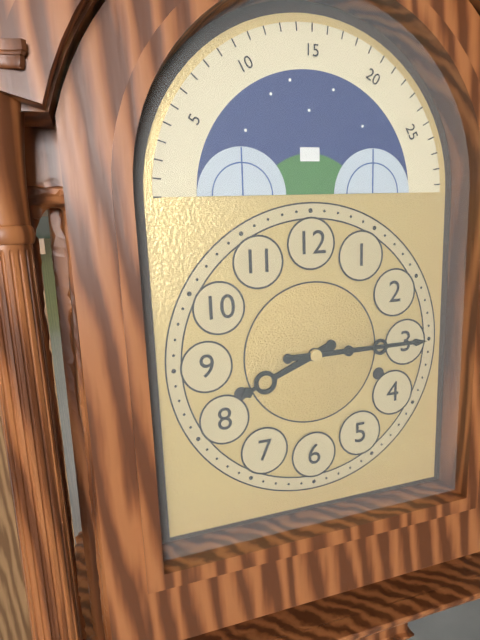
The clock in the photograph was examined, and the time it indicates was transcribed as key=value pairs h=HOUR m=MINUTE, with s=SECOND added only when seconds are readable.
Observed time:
h=8 m=15
